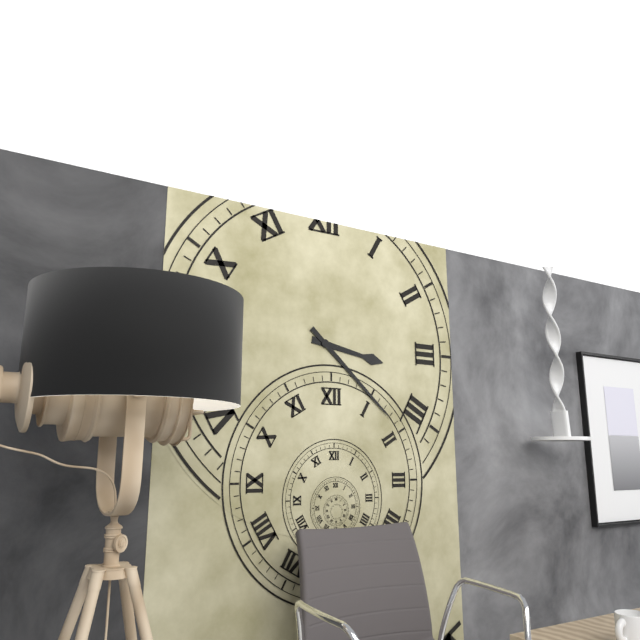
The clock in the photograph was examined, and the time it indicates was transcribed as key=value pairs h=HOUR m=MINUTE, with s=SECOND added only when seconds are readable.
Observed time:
h=3 m=22
